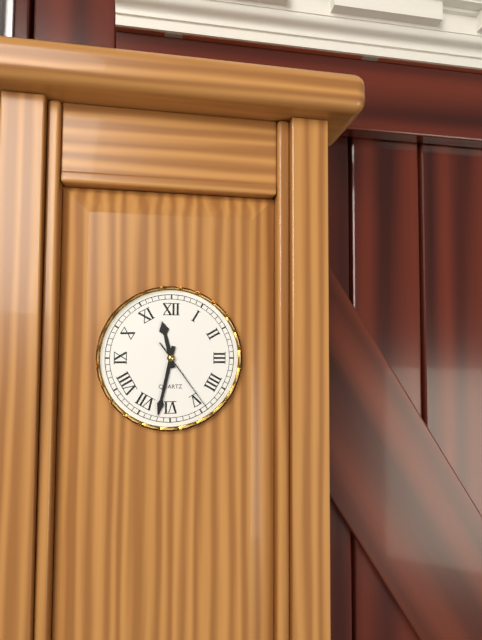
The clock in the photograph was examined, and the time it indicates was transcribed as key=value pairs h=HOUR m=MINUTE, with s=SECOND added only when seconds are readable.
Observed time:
h=11 m=32 s=24
